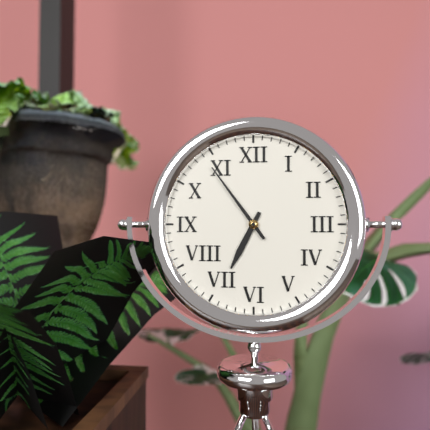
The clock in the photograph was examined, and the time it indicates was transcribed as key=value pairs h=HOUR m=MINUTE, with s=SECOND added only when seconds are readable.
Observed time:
h=6 m=54
